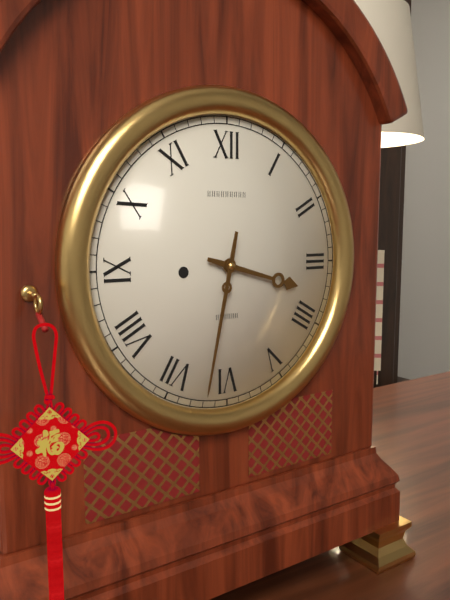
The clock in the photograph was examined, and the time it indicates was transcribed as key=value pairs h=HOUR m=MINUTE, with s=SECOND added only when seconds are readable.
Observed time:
h=3 m=32
